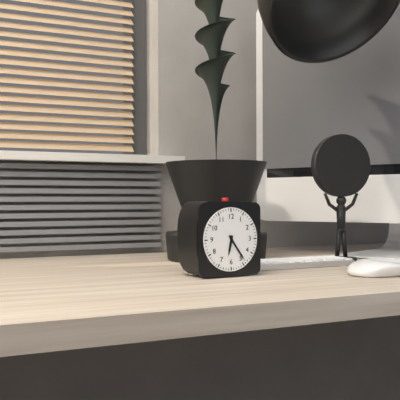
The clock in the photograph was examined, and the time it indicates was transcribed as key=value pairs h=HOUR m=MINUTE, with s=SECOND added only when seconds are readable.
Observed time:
h=6 m=24
